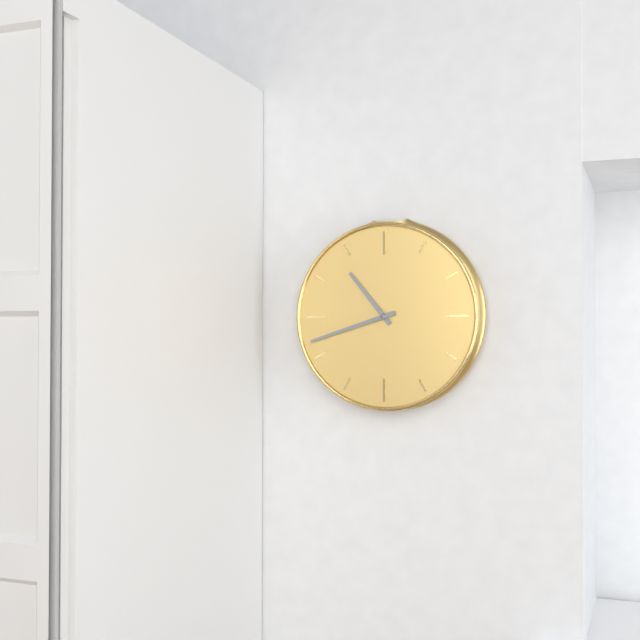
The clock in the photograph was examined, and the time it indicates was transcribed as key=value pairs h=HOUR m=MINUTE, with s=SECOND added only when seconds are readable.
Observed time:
h=10 m=42
